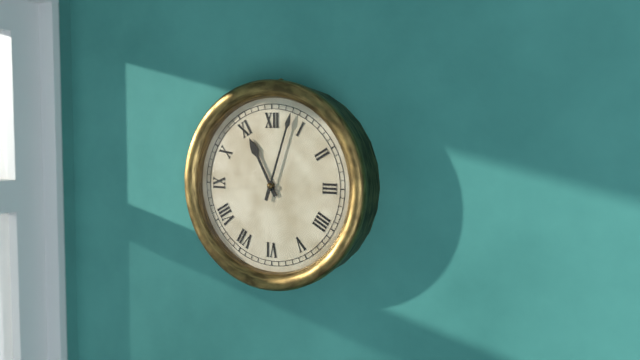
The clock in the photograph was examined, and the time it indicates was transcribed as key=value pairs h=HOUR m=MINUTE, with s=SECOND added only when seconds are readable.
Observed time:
h=11 m=3
